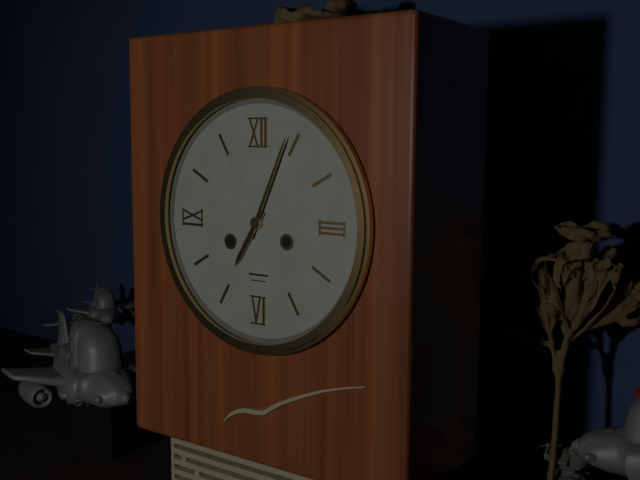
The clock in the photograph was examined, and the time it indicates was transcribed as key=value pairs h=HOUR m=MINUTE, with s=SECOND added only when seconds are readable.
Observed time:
h=7 m=4
